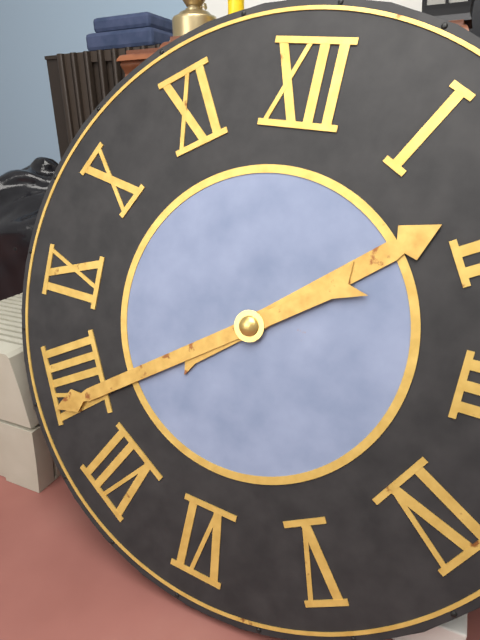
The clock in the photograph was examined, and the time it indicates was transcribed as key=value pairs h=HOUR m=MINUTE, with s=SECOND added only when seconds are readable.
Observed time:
h=1 m=39
